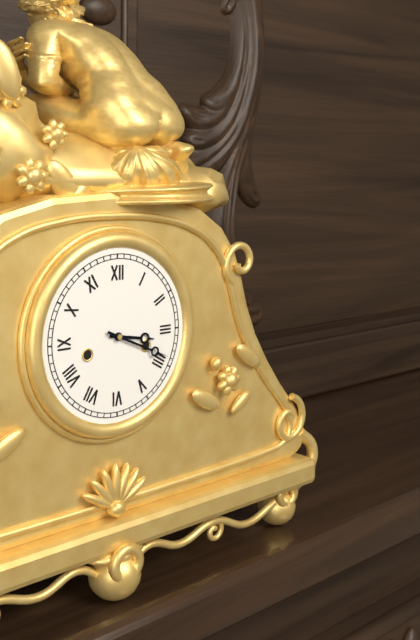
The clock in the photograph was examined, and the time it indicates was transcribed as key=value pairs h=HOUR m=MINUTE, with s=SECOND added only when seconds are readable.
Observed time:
h=3 m=19
